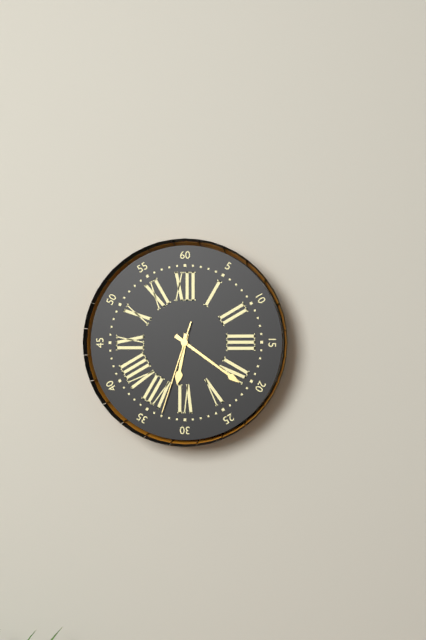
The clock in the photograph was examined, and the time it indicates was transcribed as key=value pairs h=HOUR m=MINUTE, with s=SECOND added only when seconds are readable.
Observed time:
h=6 m=21 s=33
